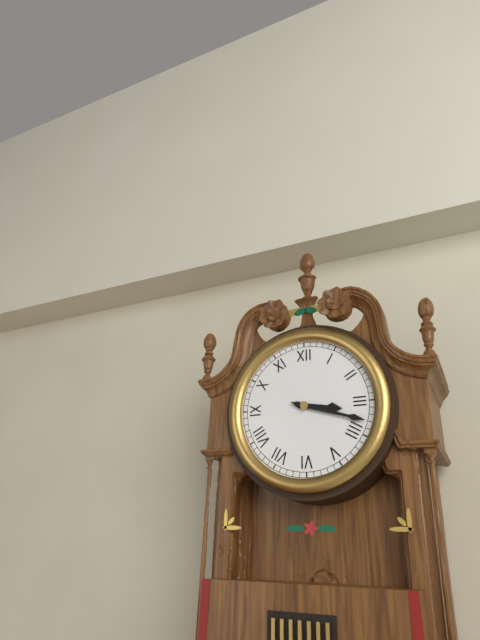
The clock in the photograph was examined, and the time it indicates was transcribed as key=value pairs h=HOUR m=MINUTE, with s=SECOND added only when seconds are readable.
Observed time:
h=3 m=18
